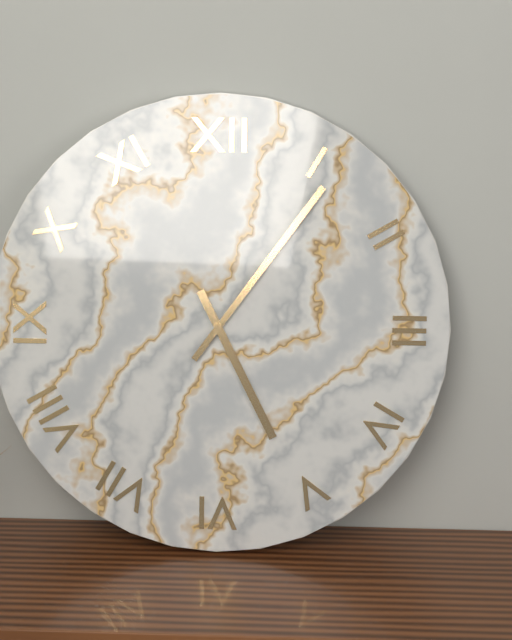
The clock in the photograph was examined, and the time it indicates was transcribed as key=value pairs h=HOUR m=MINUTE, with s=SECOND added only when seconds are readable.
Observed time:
h=5 m=6
